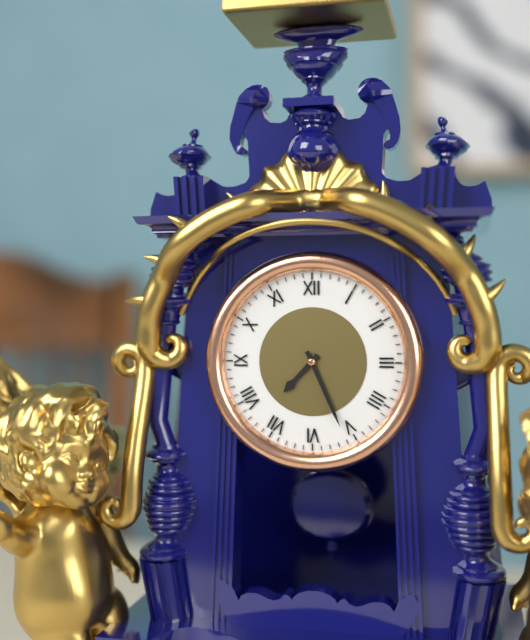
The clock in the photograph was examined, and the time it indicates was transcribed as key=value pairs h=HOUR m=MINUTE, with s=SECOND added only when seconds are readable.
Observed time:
h=7 m=26
